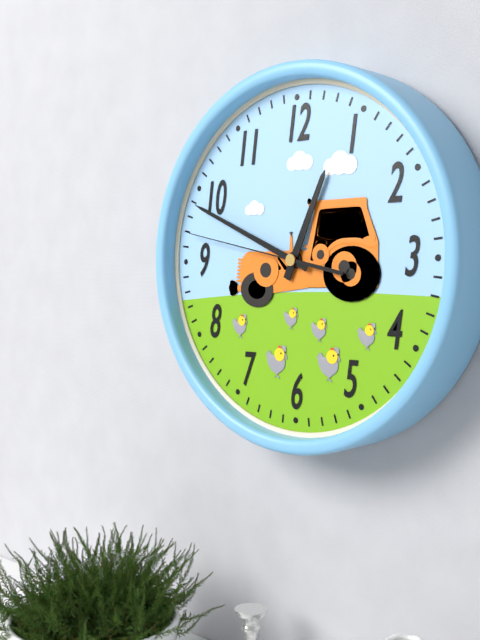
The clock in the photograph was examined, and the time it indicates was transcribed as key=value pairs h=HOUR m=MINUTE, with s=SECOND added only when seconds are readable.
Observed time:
h=12 m=49 s=47
